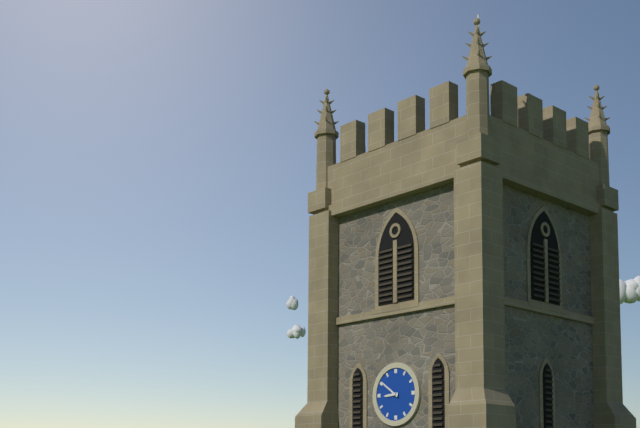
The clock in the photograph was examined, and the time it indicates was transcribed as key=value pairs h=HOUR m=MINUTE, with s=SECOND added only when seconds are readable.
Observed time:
h=8 m=51
